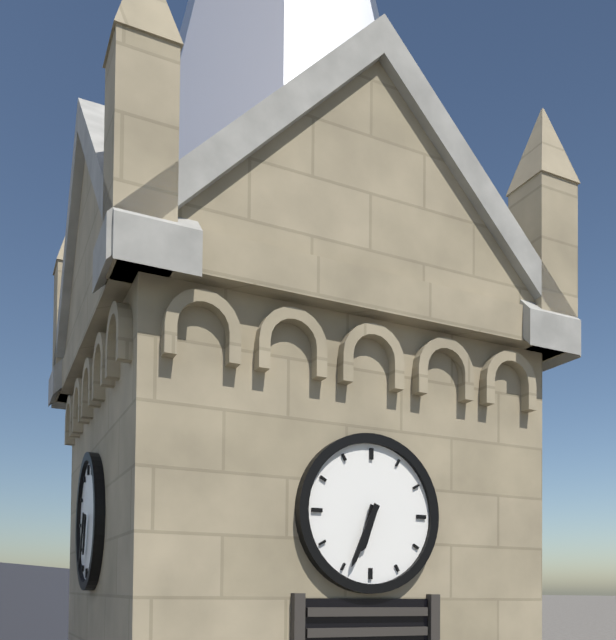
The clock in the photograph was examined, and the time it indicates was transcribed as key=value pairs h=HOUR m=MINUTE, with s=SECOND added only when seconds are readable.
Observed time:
h=6 m=34
